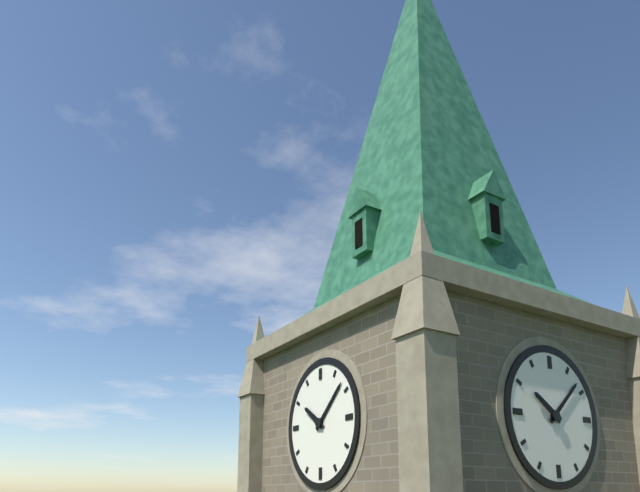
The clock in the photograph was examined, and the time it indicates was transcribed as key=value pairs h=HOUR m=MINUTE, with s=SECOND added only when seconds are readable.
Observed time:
h=10 m=8
